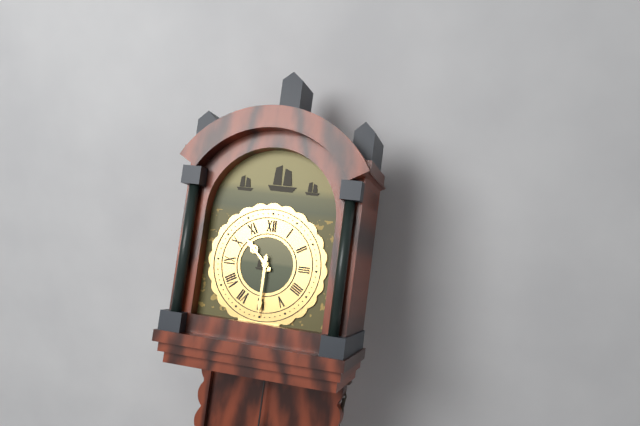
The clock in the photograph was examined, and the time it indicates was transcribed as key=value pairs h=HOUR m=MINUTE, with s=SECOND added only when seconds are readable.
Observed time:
h=10 m=30
